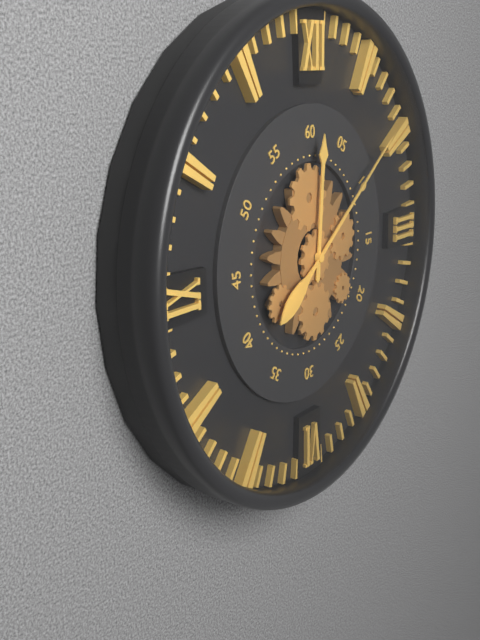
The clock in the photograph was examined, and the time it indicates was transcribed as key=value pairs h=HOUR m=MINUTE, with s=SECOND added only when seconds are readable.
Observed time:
h=12 m=9
